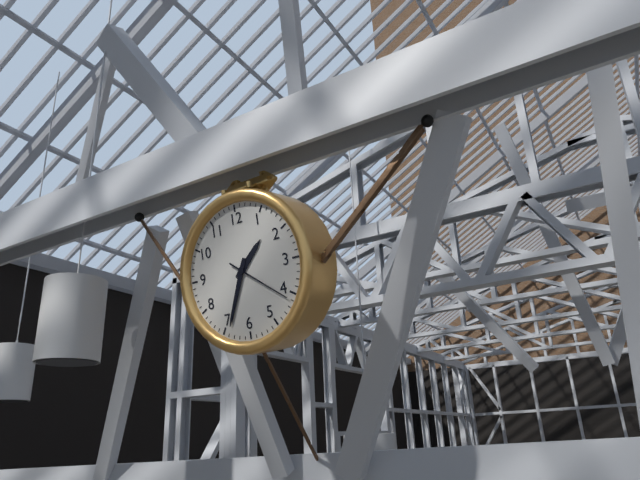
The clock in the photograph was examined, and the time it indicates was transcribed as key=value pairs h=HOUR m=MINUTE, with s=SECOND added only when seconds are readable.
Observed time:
h=1 m=34 s=21
